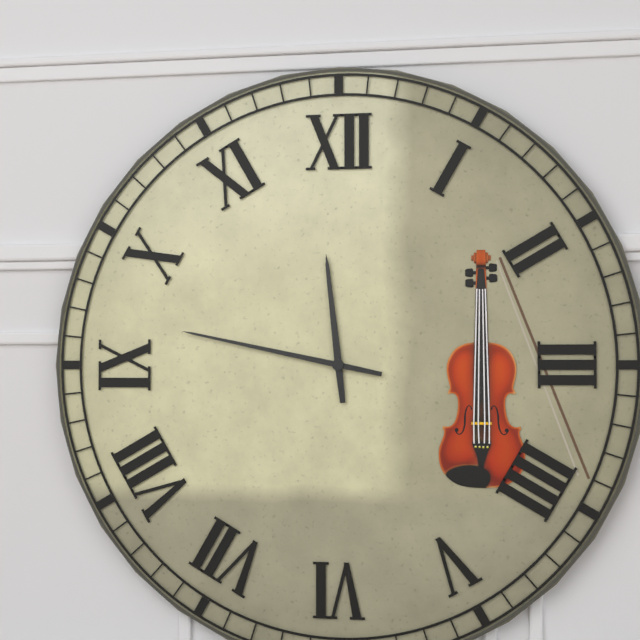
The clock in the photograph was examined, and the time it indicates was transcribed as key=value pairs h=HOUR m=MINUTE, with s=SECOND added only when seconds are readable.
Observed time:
h=11 m=47
